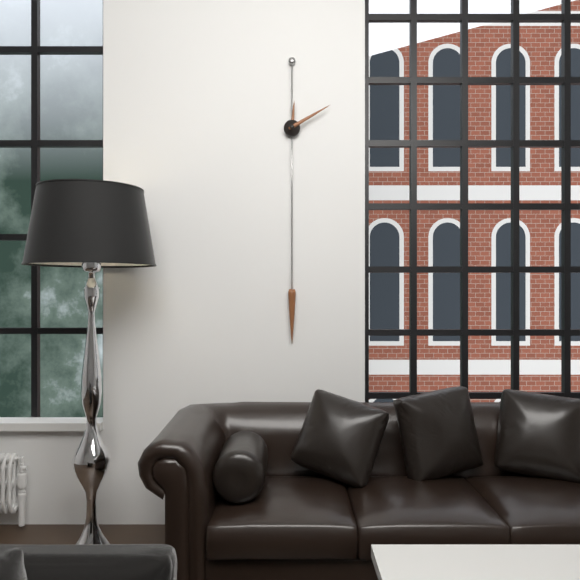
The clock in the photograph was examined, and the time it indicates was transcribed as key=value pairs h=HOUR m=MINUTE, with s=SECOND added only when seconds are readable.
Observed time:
h=12 m=10
